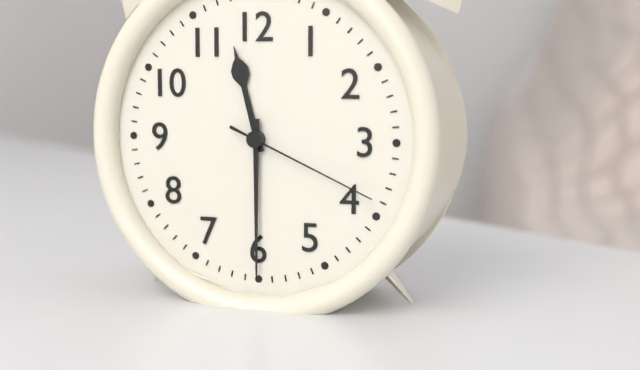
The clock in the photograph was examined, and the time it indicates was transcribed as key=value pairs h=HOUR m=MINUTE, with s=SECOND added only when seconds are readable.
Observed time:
h=11 m=30 s=19
